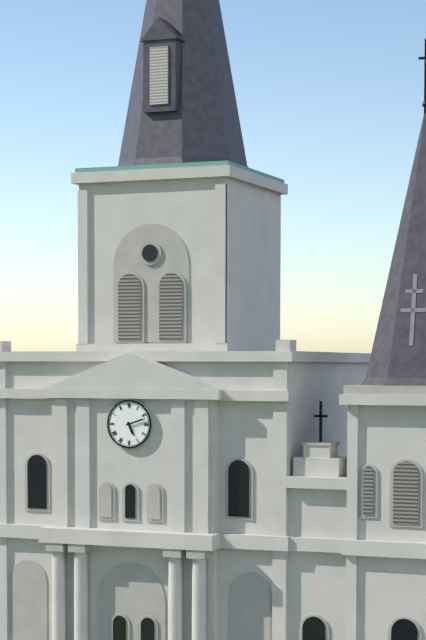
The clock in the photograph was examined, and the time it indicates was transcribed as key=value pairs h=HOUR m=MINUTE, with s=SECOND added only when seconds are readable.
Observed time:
h=5 m=12
